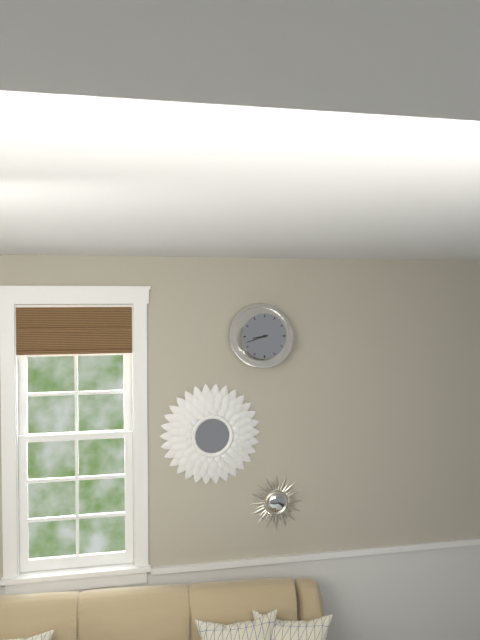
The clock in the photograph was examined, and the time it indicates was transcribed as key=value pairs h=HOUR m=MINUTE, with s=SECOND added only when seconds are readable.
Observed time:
h=8 m=42
